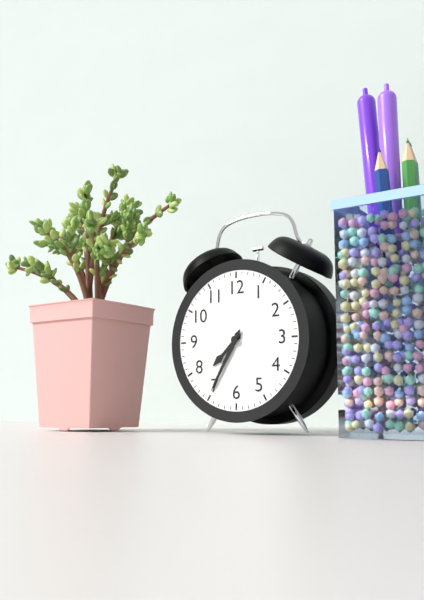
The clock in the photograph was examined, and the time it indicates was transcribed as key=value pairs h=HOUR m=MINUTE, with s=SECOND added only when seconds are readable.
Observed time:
h=7 m=35
